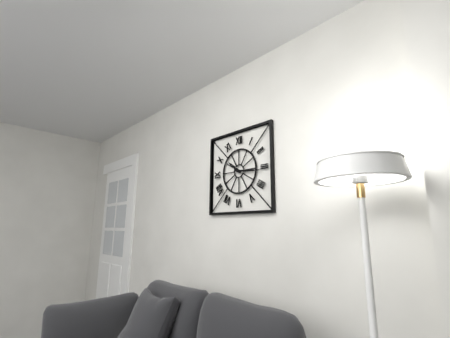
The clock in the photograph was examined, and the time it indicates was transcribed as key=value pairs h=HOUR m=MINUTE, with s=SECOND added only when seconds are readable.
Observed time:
h=10 m=16
